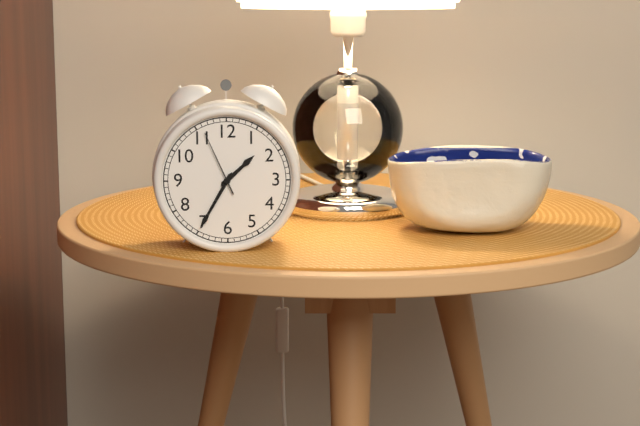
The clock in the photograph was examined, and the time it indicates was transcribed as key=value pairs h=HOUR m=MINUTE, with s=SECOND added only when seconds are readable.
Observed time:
h=1 m=35 s=56
